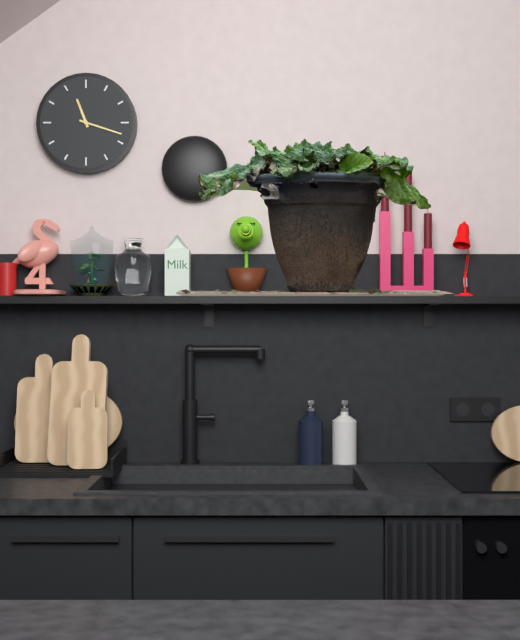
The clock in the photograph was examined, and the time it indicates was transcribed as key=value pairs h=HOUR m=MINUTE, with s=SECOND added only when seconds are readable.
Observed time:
h=11 m=18
